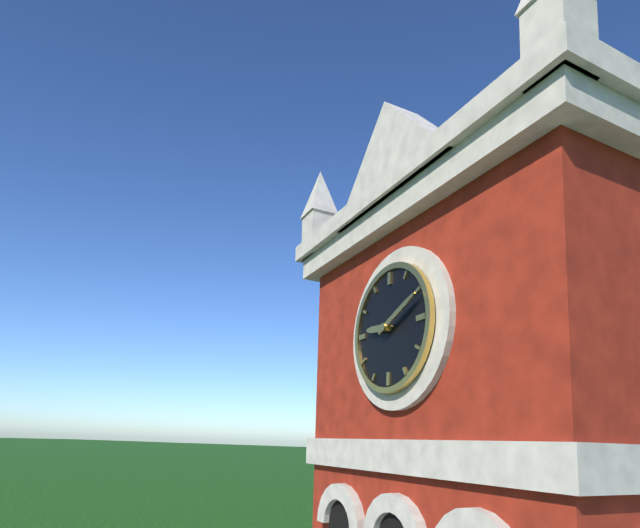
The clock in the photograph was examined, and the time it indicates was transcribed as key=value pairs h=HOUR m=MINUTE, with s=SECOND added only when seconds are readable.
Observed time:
h=9 m=11
